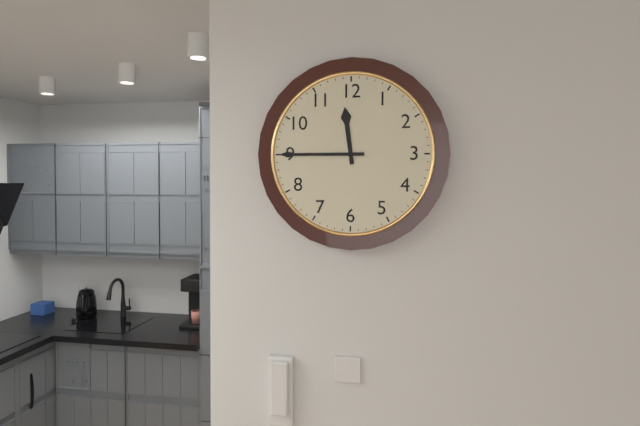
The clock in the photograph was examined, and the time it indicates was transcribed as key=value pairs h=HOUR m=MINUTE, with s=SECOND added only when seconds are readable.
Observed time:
h=11 m=45
